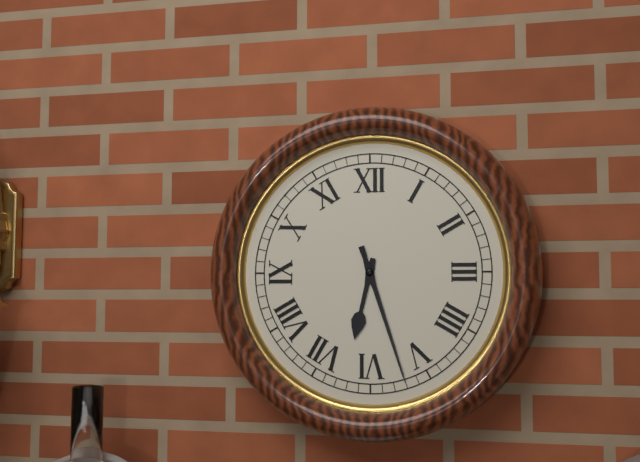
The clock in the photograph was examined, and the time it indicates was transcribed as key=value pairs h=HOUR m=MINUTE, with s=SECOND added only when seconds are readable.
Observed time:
h=6 m=27
